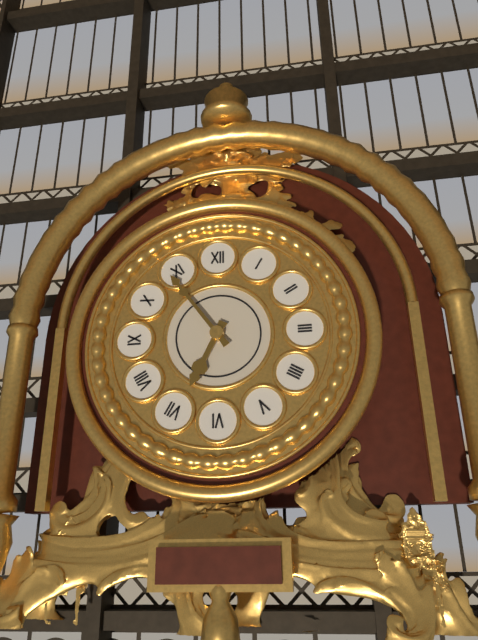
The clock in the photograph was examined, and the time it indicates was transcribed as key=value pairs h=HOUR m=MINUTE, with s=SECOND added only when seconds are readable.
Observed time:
h=6 m=54
